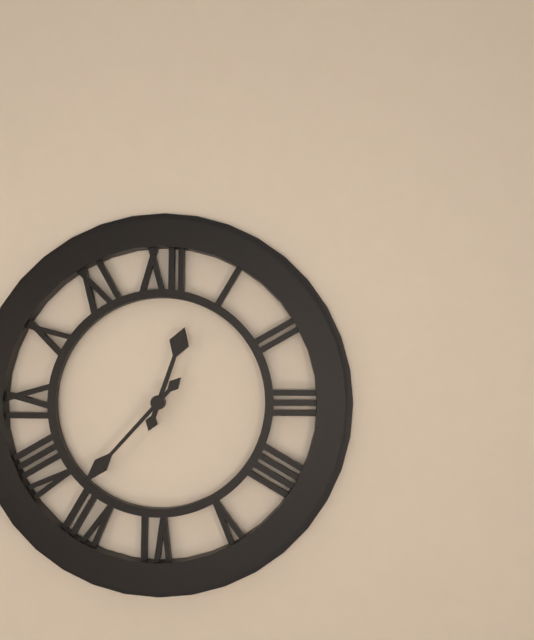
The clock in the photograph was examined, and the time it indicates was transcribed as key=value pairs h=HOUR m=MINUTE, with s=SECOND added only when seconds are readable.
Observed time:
h=12 m=37
